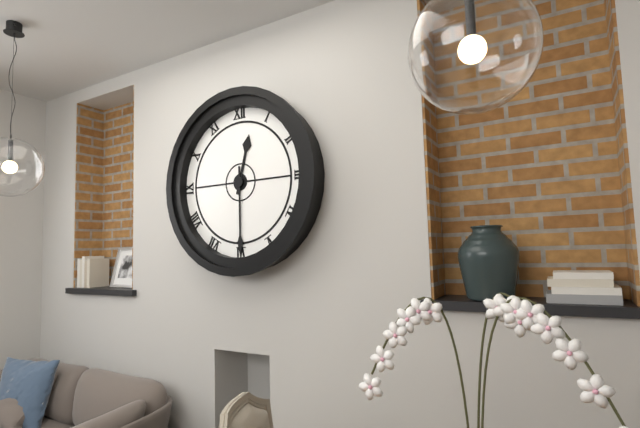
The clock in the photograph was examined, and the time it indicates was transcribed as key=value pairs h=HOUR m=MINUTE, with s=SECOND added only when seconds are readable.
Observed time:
h=12 m=30
